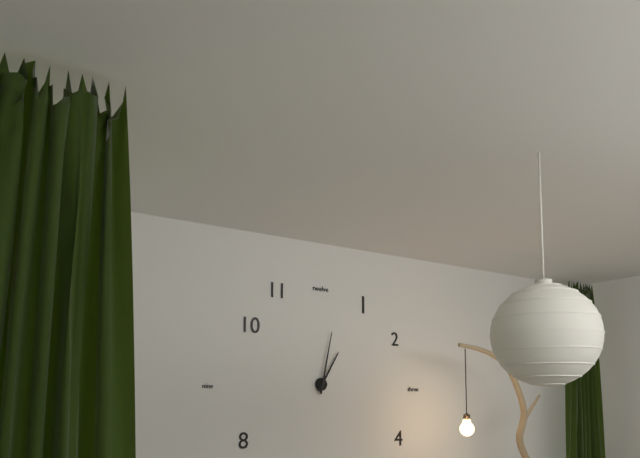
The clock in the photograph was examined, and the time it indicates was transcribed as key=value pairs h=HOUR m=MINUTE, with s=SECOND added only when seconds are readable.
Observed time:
h=1 m=2
